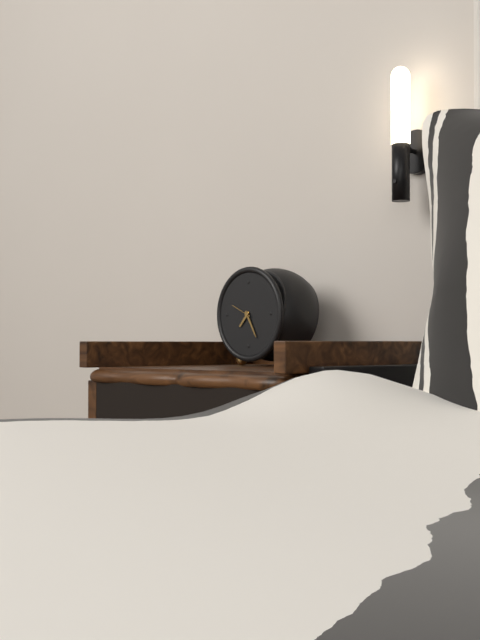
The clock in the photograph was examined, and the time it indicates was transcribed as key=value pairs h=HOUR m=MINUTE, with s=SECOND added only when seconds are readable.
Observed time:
h=7 m=25
